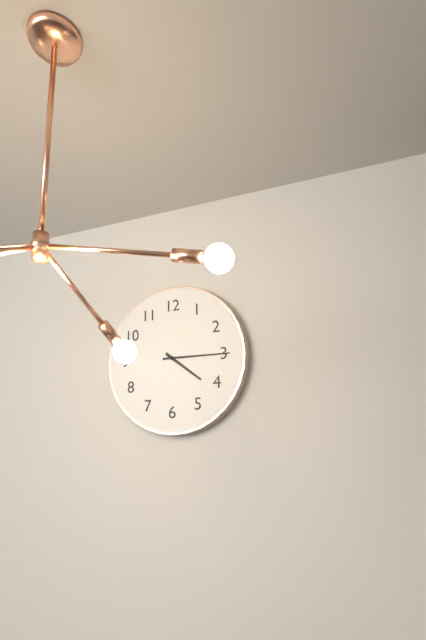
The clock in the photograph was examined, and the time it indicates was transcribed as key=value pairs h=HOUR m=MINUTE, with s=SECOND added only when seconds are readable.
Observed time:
h=4 m=15
